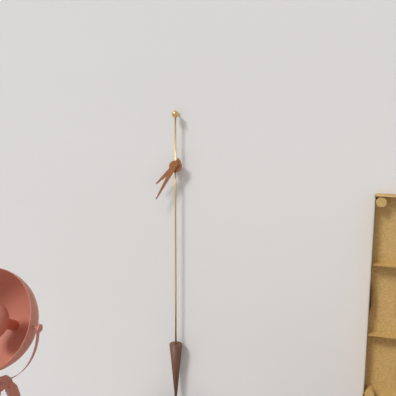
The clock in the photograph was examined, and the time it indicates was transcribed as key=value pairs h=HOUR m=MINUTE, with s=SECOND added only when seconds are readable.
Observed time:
h=7 m=35
